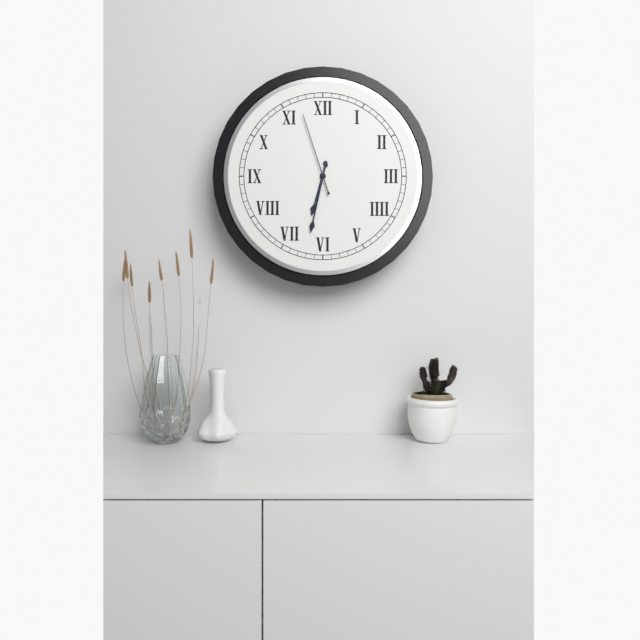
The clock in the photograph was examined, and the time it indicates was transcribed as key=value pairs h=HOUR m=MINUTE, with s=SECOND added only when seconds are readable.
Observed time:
h=6 m=32 s=57
